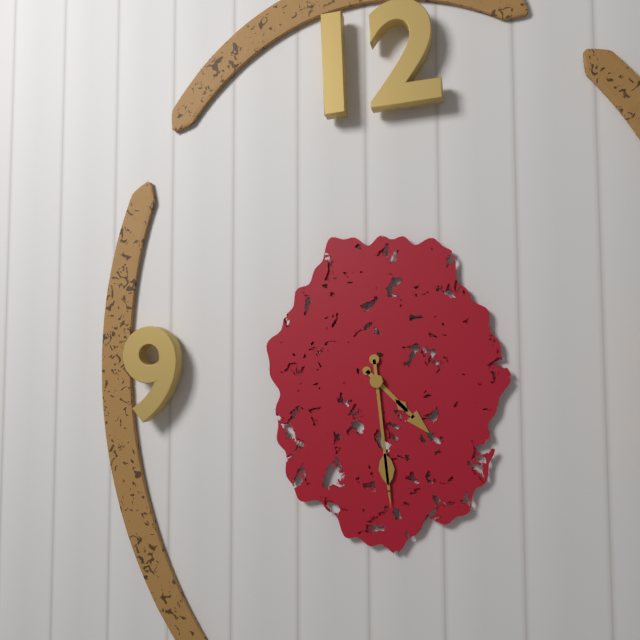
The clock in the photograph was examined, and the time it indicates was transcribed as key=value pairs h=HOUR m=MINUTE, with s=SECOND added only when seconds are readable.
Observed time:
h=4 m=29
